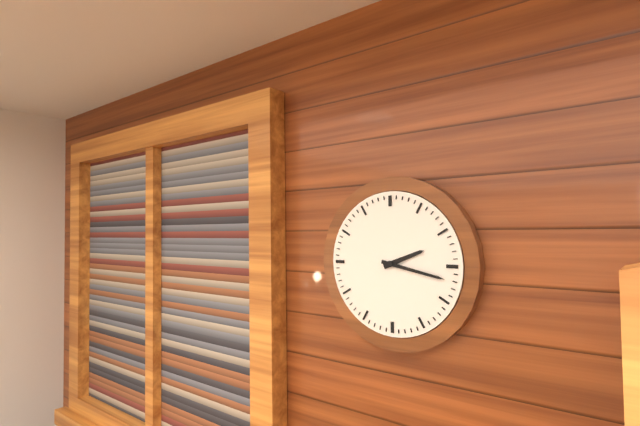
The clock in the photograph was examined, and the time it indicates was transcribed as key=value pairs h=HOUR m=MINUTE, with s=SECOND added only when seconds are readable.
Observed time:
h=2 m=17
